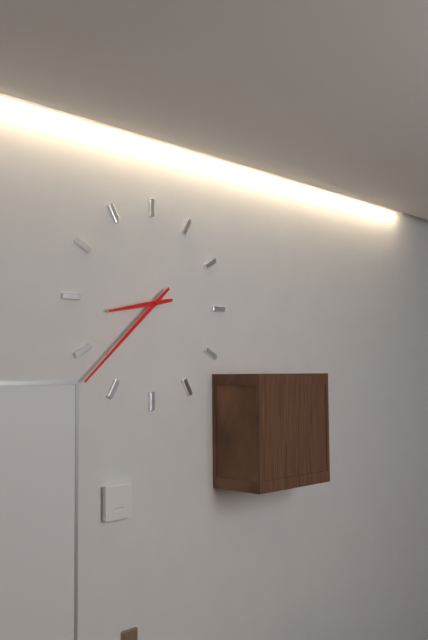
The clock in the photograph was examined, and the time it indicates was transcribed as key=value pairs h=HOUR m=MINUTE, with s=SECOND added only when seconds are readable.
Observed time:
h=8 m=38
